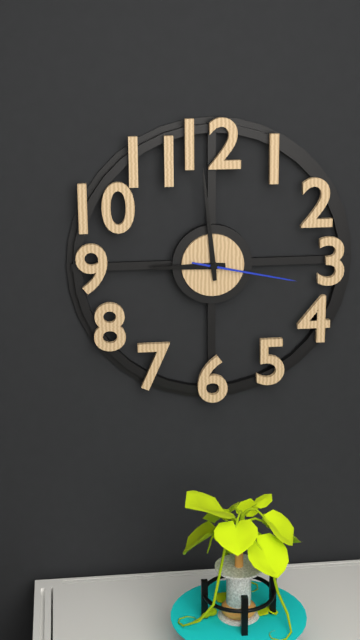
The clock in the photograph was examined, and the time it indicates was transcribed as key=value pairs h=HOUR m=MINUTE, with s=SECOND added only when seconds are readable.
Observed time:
h=8 m=59 s=17
